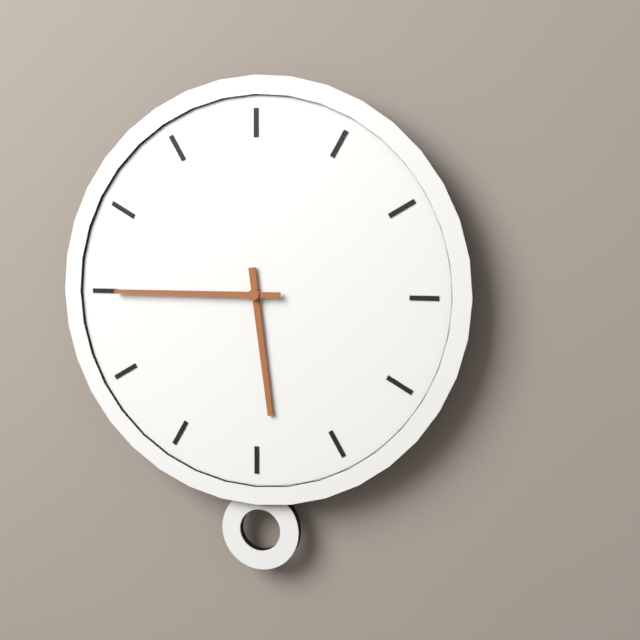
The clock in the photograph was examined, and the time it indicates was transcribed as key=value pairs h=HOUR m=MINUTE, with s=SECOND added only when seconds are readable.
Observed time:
h=5 m=45
